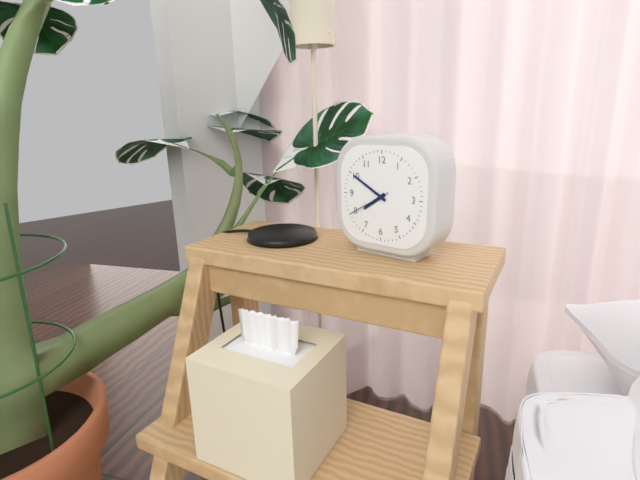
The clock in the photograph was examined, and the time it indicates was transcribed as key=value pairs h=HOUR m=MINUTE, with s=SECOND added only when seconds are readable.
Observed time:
h=7 m=50
